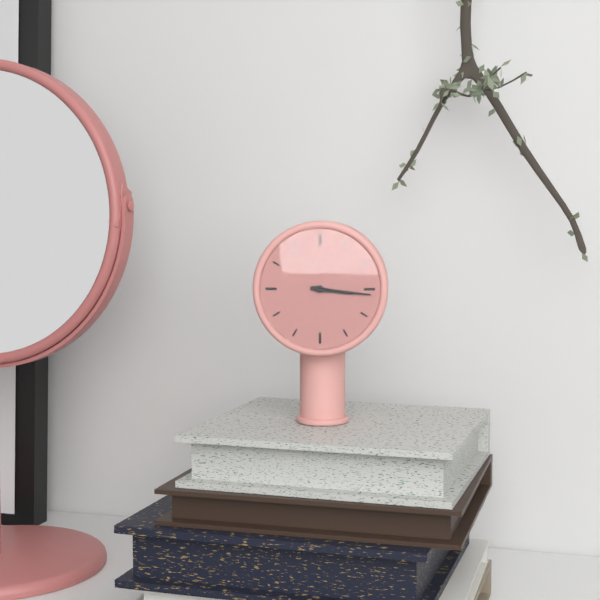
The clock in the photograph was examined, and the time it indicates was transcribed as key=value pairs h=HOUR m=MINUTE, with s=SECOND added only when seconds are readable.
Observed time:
h=3 m=16
